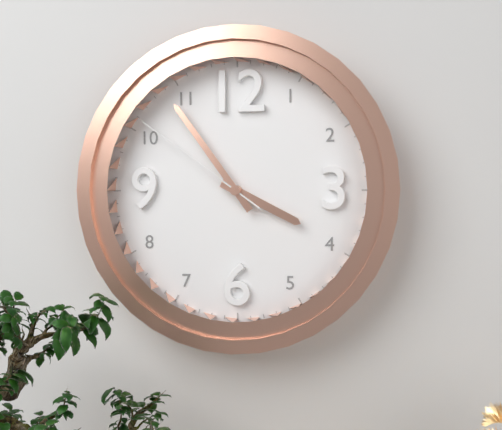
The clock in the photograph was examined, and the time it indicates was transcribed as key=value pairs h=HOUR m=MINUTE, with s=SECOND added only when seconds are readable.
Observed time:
h=3 m=54 s=51
